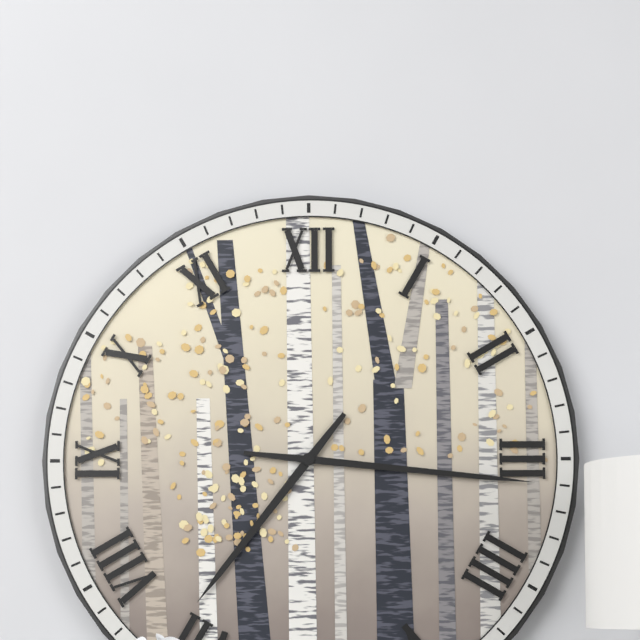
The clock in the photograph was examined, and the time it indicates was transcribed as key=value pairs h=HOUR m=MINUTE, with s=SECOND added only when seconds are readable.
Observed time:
h=7 m=16
